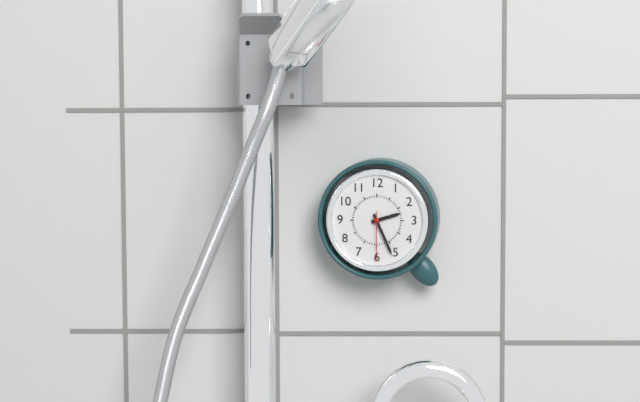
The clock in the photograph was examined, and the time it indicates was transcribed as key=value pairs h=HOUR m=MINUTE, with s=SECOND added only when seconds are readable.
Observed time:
h=2 m=26 s=30
